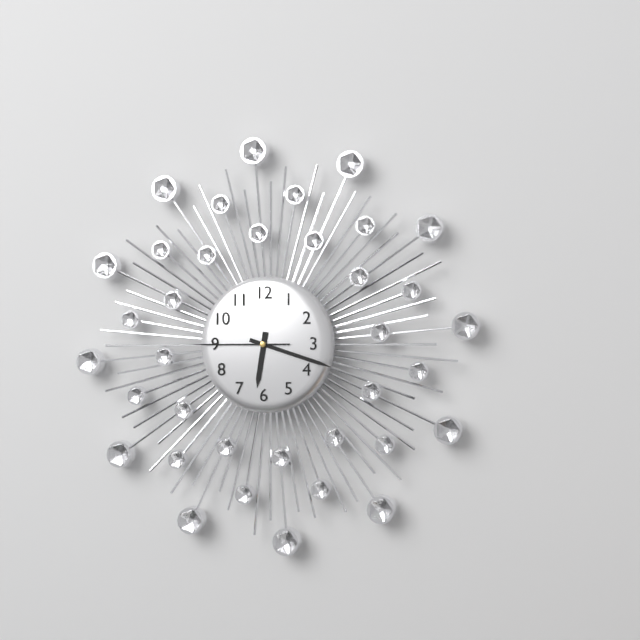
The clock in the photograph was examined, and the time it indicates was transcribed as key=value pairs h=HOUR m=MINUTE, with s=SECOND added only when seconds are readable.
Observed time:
h=6 m=18 s=45
